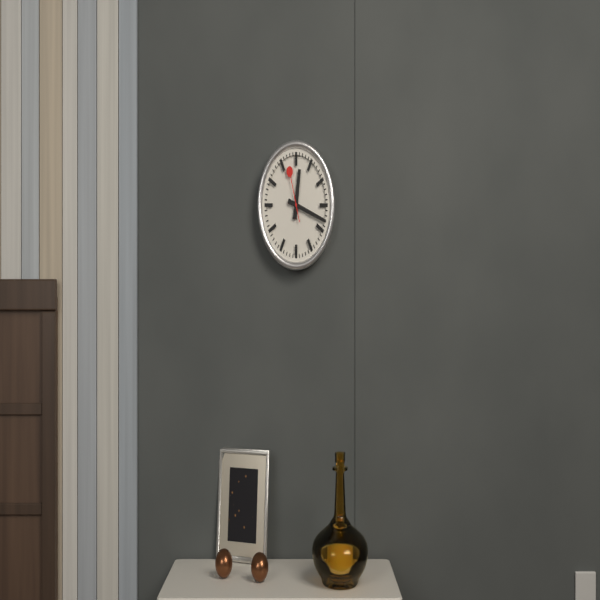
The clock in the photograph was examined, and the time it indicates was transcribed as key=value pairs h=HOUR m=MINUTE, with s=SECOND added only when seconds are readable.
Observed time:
h=12 m=18
